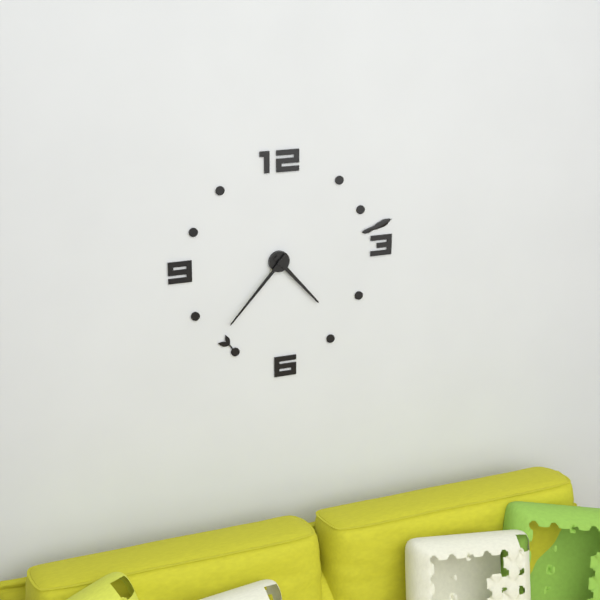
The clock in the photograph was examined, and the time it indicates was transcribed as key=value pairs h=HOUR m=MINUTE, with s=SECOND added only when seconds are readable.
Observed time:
h=4 m=37
